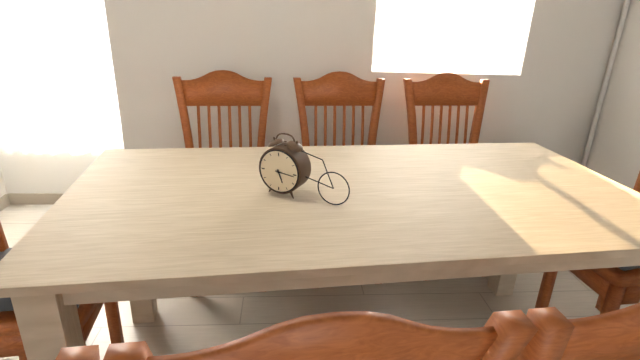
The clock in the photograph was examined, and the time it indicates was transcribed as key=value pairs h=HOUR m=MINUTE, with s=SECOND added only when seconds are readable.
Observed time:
h=5 m=16
